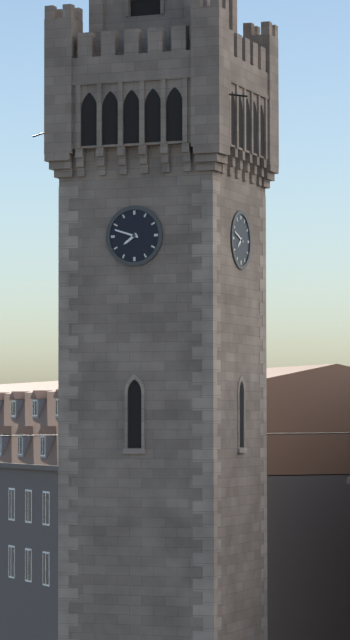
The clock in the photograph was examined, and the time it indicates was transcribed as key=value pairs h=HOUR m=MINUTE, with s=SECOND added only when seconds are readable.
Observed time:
h=7 m=48
